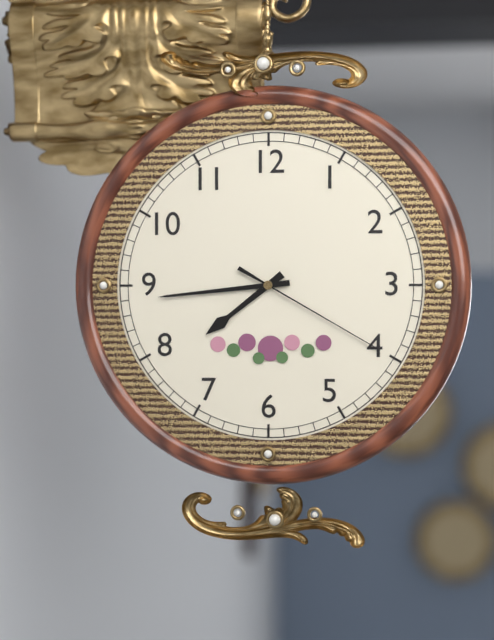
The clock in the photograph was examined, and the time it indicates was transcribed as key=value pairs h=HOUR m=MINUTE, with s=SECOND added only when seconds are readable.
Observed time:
h=7 m=44 s=20
